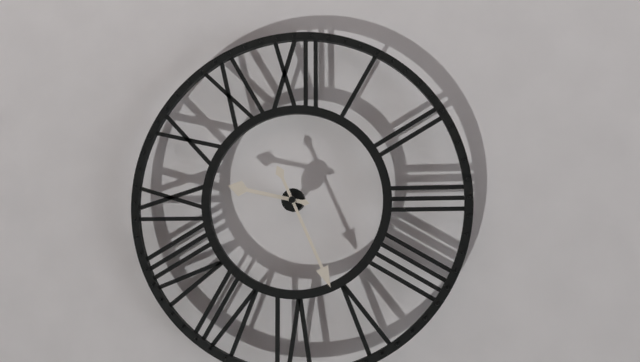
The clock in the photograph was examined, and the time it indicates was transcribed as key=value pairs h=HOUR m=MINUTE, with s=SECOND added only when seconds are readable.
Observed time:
h=9 m=26
